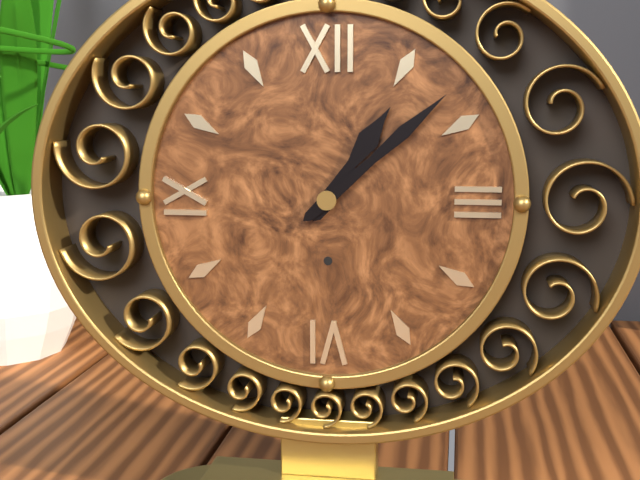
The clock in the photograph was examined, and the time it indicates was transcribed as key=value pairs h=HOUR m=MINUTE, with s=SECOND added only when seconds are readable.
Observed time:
h=1 m=8
